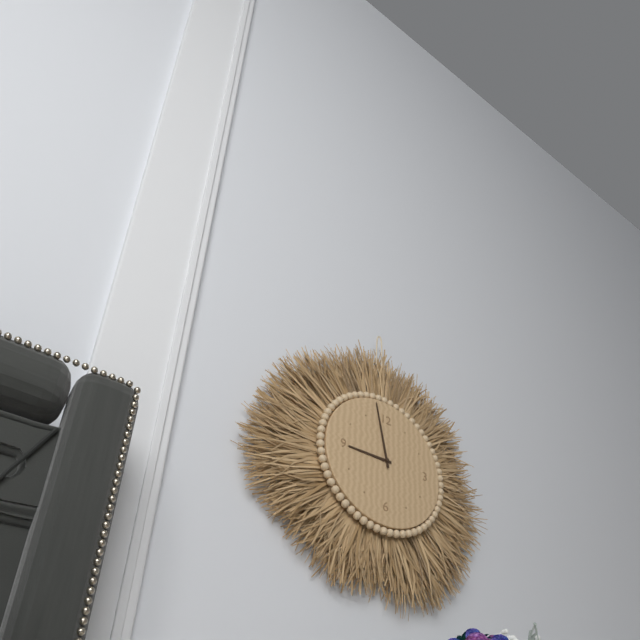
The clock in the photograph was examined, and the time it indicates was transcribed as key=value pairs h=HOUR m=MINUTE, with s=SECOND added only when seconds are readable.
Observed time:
h=8 m=58
